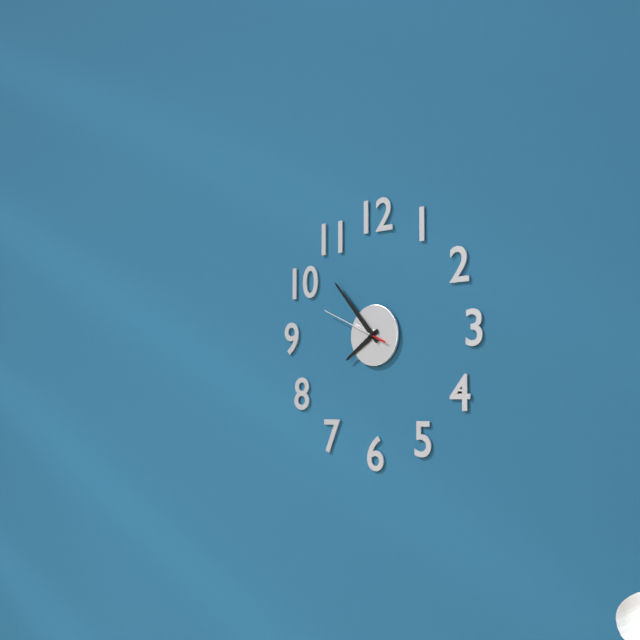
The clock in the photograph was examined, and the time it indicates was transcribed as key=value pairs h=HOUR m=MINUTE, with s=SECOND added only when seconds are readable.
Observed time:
h=7 m=53 s=49
